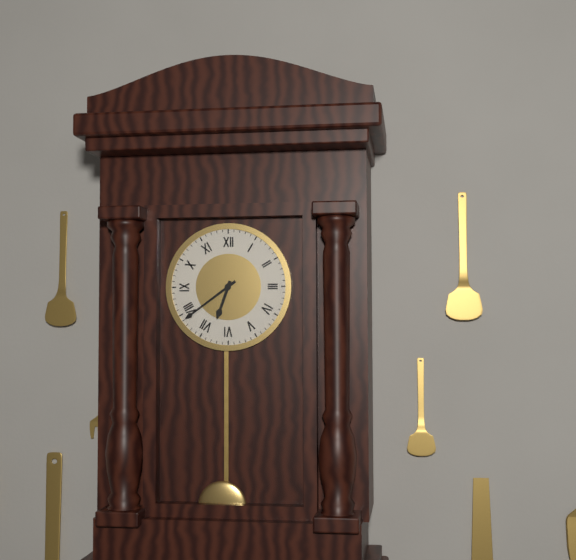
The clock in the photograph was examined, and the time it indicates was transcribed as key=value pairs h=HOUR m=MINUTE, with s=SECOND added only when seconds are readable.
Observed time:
h=6 m=39
